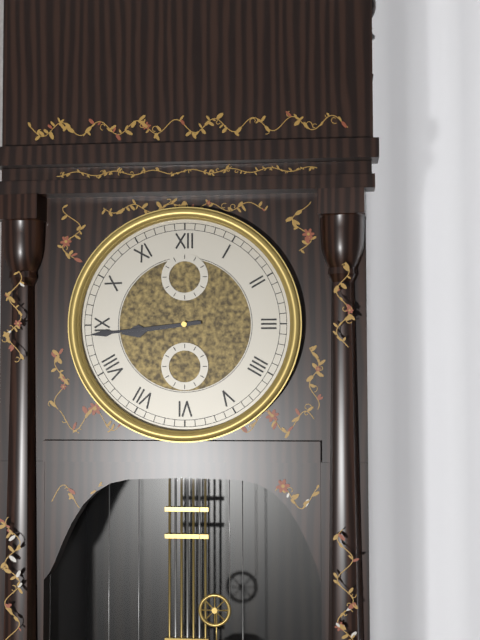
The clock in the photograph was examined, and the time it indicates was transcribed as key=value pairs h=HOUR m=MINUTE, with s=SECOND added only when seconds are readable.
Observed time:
h=8 m=44
